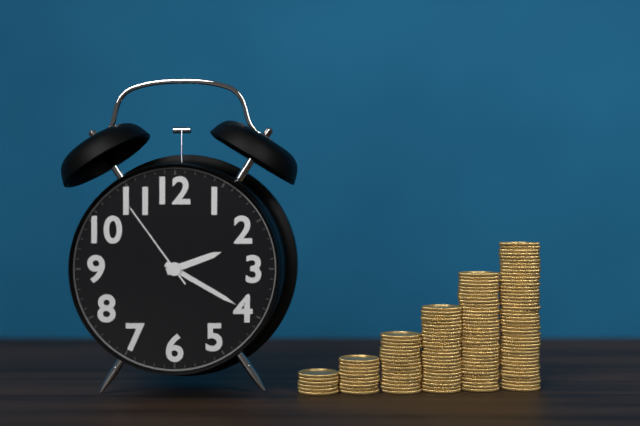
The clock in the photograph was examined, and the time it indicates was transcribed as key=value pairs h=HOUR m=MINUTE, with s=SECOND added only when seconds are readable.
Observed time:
h=2 m=20 s=54
